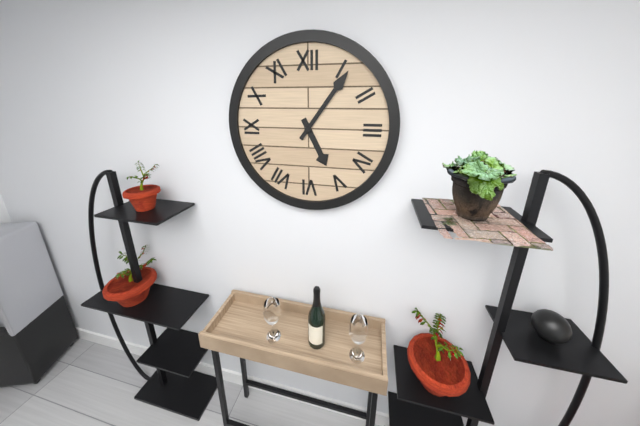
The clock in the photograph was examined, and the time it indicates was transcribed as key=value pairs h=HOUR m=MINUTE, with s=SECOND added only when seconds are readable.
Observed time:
h=5 m=6
